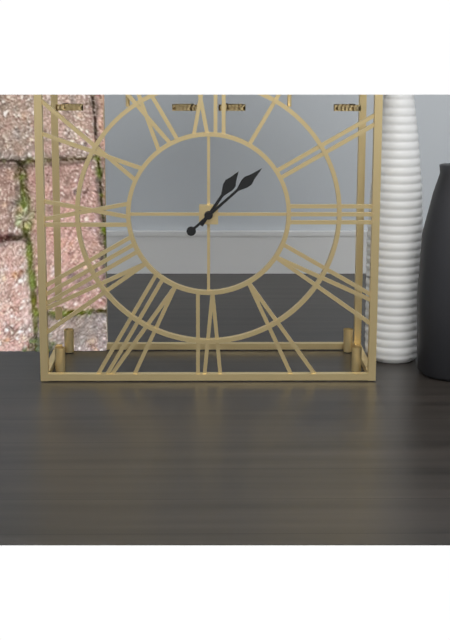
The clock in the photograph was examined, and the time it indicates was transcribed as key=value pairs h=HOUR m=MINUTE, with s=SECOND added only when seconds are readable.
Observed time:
h=1 m=8
